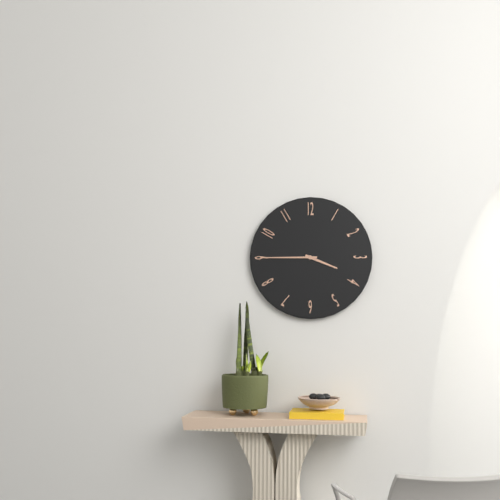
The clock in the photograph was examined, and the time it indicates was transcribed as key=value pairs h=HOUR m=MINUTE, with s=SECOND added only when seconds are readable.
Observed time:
h=3 m=45
